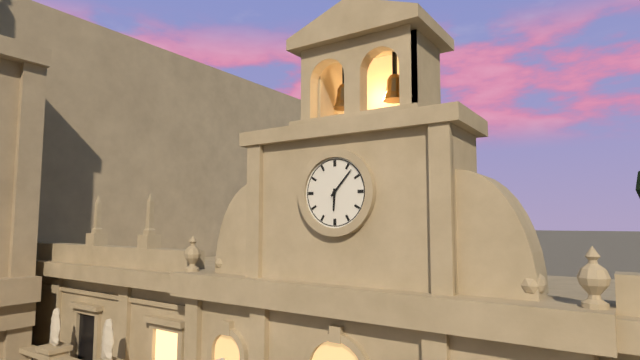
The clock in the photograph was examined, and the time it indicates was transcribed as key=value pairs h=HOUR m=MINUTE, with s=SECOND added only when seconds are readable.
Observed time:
h=6 m=7
